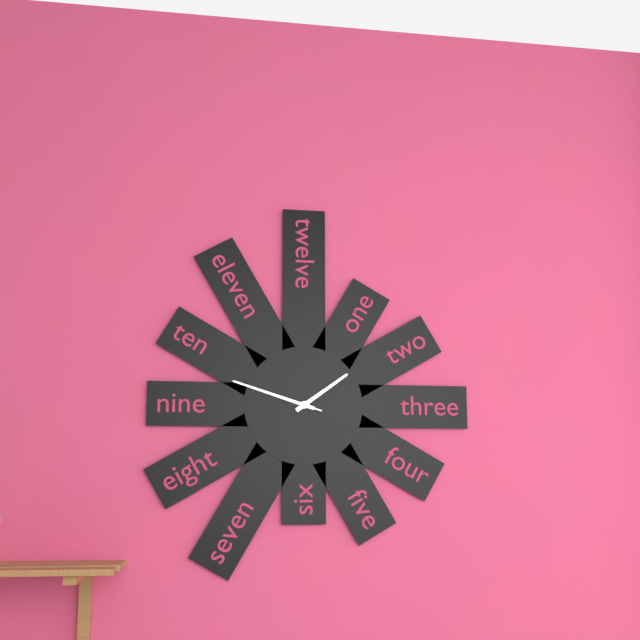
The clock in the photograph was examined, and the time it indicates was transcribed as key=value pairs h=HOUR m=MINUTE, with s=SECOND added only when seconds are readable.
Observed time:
h=1 m=48 s=48
